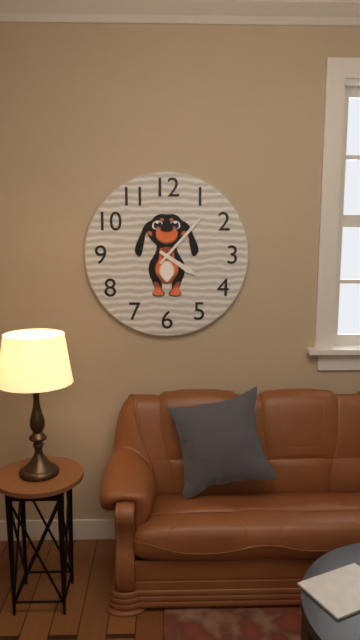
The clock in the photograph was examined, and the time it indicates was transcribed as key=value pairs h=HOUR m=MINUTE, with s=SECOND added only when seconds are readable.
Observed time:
h=4 m=7
